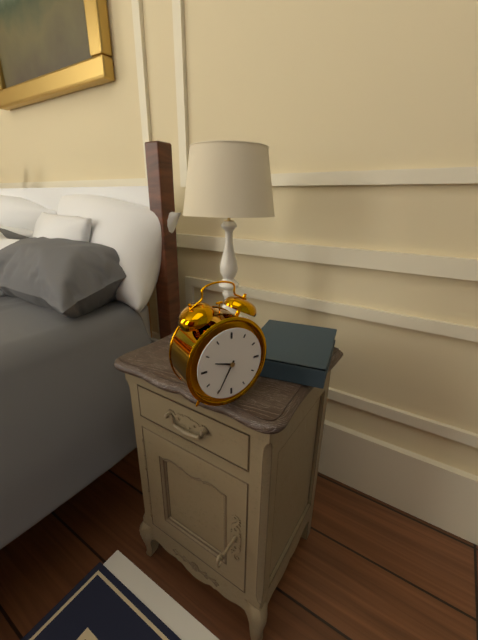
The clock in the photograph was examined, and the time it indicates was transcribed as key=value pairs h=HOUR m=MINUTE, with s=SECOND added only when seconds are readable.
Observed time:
h=9 m=35
